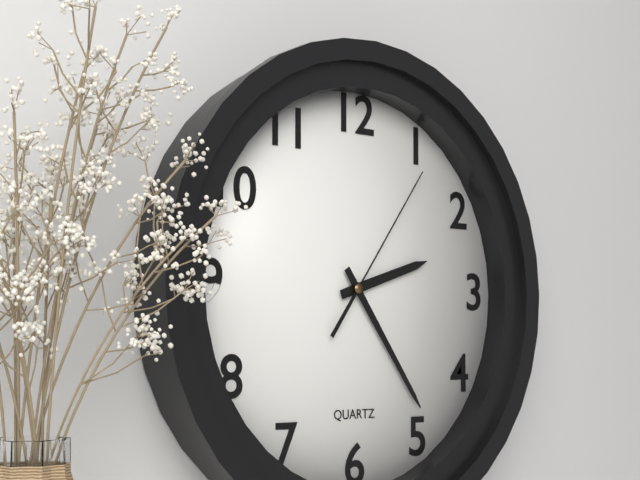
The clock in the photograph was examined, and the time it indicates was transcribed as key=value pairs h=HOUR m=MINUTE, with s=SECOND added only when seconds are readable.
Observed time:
h=2 m=24 s=6
